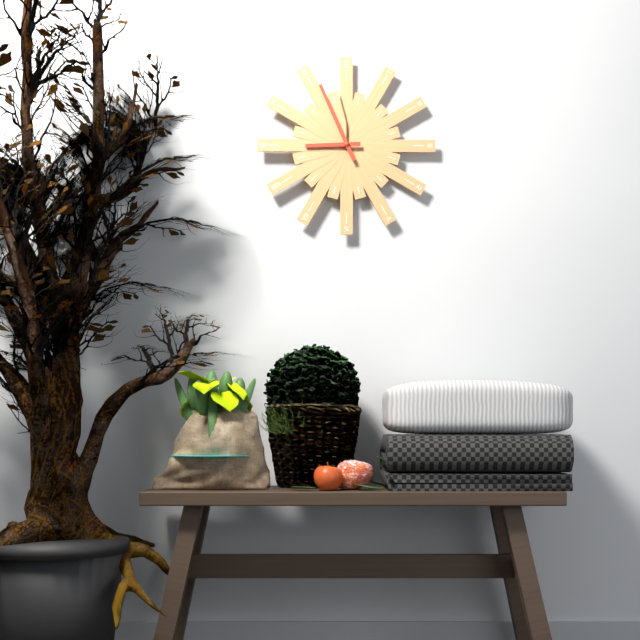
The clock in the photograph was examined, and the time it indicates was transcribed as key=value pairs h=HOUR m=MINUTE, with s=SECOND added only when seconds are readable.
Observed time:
h=8 m=56
